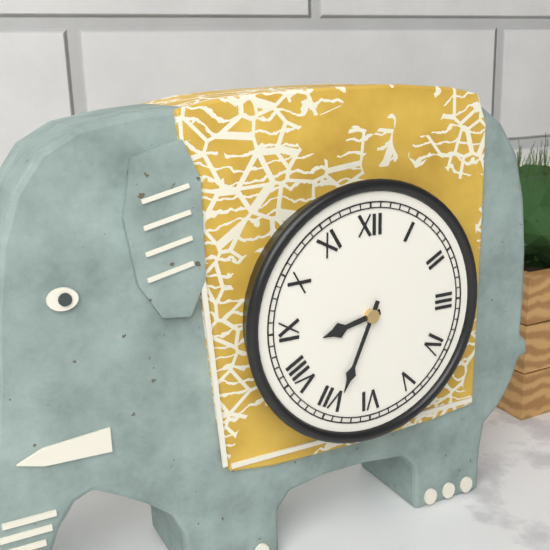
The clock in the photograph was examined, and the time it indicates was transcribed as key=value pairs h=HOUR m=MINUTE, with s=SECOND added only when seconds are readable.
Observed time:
h=8 m=34
